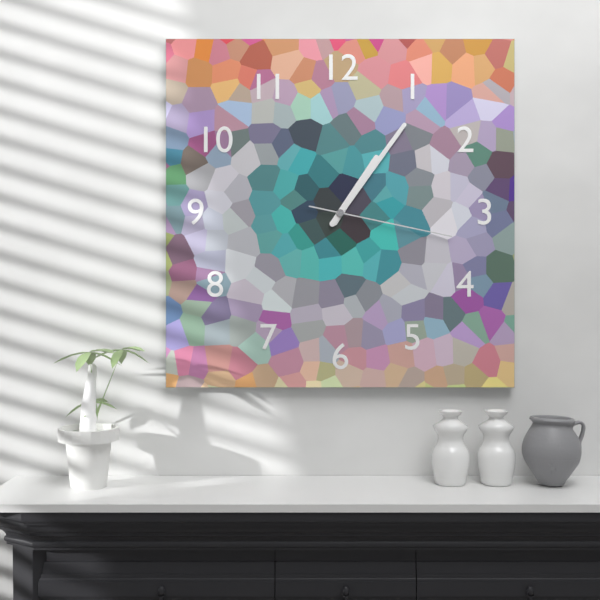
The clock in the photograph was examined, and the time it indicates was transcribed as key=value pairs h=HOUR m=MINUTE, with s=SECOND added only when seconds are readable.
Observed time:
h=1 m=6 s=17
